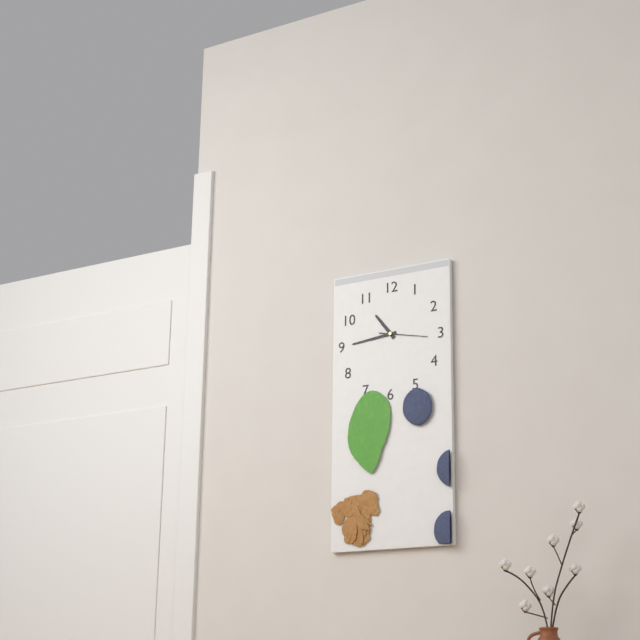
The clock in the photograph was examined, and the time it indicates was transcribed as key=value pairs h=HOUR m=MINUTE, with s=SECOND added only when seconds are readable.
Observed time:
h=10 m=44
